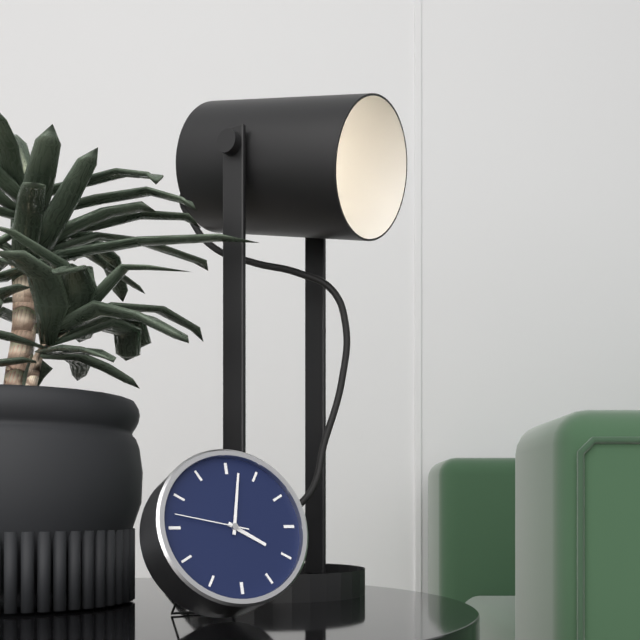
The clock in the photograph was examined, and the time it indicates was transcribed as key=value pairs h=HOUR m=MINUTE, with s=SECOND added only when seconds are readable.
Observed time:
h=4 m=2 s=47
